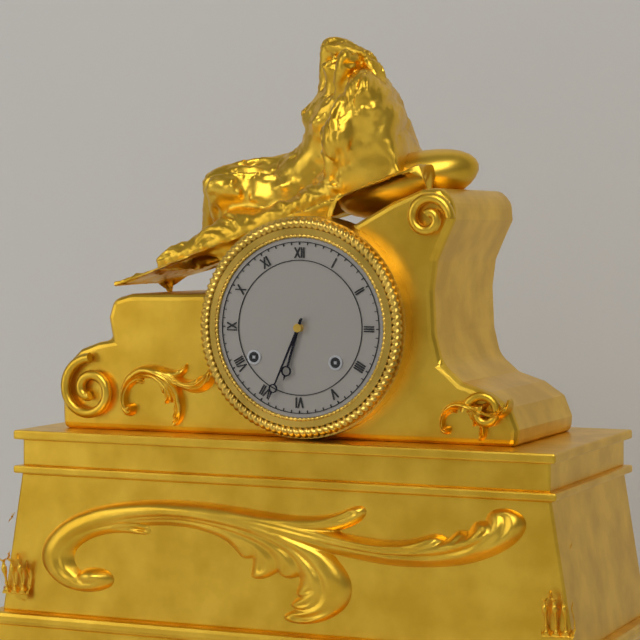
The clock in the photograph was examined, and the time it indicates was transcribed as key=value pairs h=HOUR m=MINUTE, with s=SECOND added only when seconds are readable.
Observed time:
h=6 m=34
